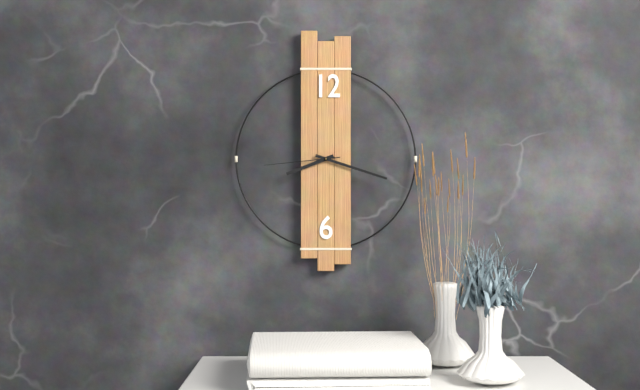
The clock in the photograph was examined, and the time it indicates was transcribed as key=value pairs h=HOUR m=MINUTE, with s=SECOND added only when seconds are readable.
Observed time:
h=8 m=18 s=44
